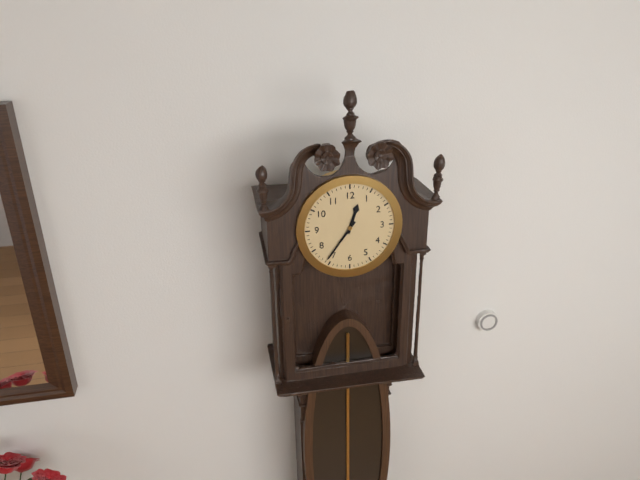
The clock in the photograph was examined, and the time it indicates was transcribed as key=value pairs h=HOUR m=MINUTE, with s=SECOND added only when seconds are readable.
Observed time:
h=12 m=36
